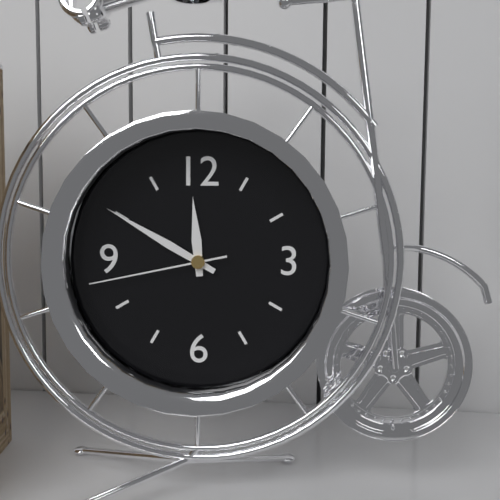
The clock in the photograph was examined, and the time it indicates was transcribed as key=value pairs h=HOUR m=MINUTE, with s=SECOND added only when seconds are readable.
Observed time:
h=11 m=50 s=43
